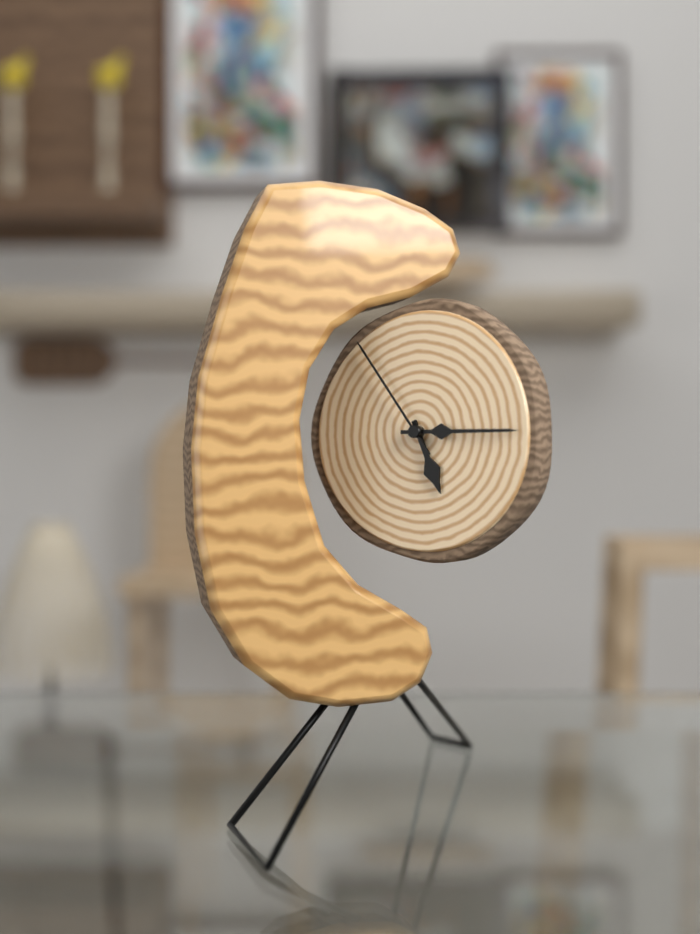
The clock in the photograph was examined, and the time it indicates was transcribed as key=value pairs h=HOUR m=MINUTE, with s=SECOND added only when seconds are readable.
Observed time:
h=5 m=15 s=54
